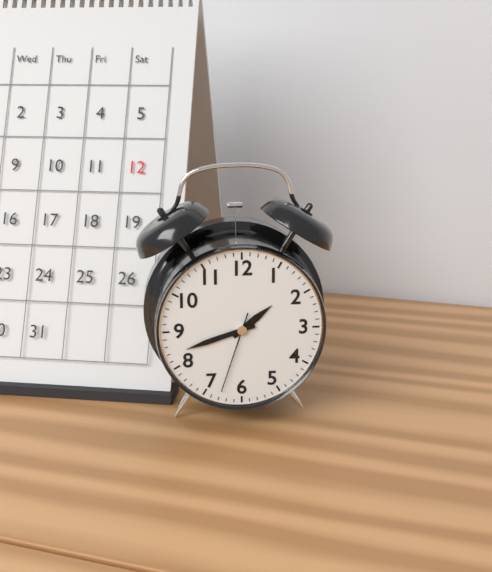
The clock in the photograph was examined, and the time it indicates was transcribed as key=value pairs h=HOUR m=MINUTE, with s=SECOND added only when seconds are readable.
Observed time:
h=1 m=42 s=33
